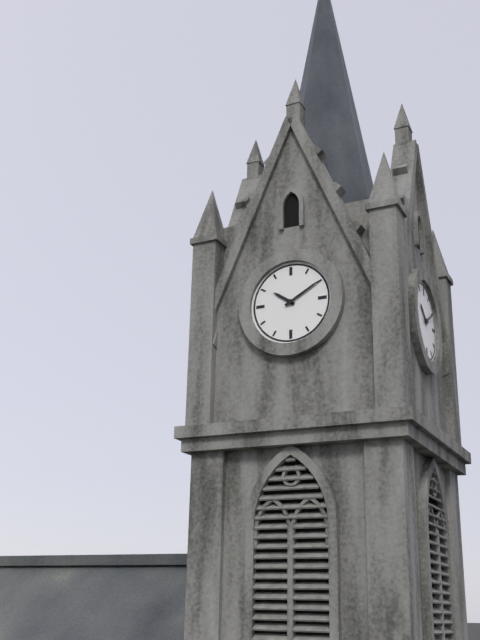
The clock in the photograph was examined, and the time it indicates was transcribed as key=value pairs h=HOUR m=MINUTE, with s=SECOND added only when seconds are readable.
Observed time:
h=10 m=10
